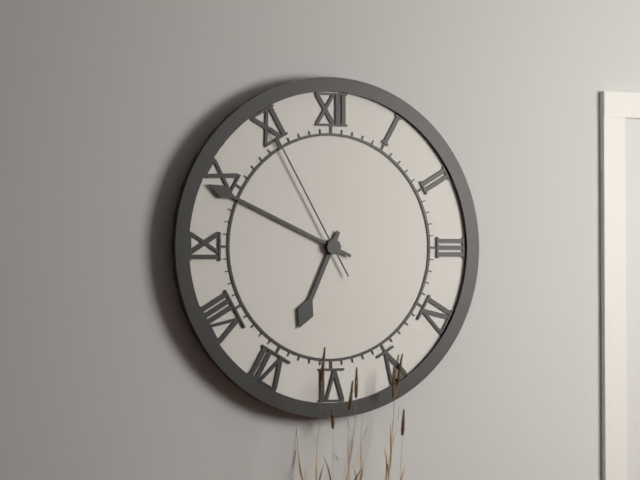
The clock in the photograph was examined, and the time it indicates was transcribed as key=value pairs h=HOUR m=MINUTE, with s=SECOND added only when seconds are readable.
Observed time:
h=6 m=49 s=55
